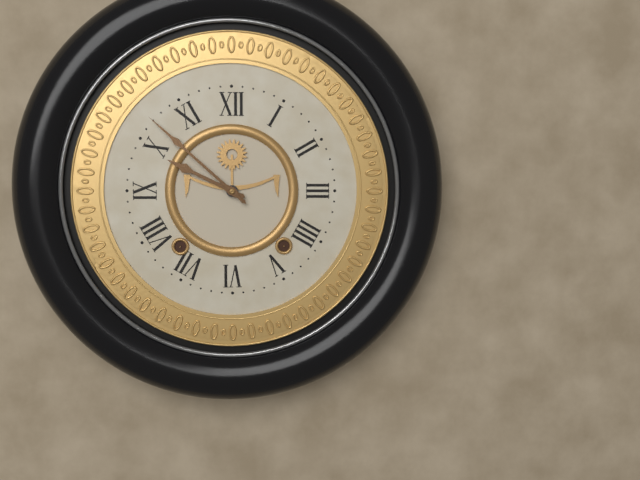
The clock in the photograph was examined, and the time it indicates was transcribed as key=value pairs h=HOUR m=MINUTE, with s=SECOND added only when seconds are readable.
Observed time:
h=9 m=52
